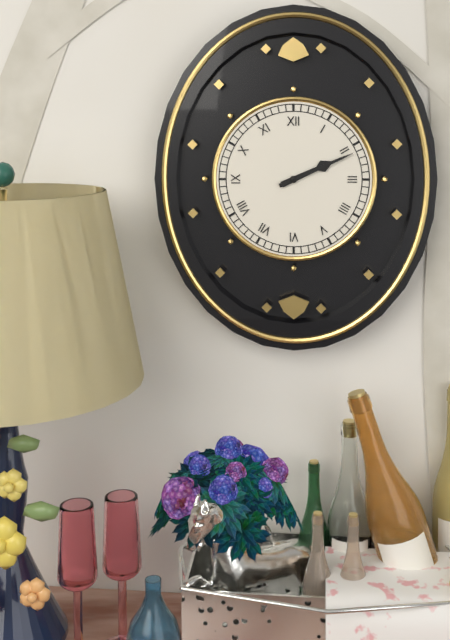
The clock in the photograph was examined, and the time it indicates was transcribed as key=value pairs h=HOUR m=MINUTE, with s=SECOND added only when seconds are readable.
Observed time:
h=2 m=11
